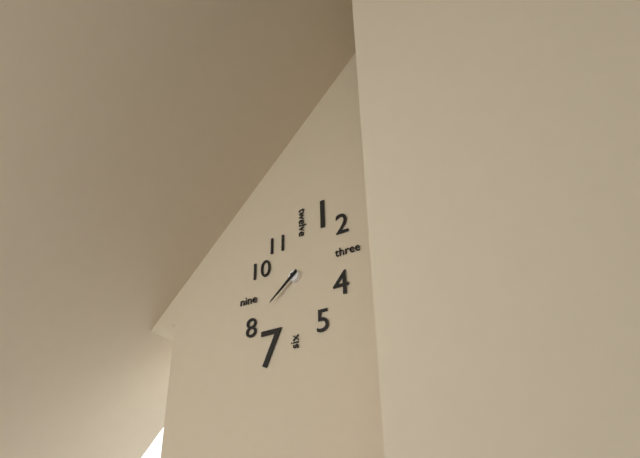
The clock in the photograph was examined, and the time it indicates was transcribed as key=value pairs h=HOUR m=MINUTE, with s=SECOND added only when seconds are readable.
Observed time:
h=7 m=38
